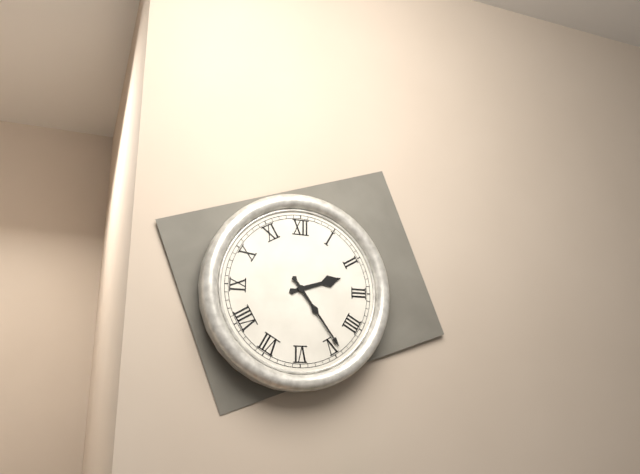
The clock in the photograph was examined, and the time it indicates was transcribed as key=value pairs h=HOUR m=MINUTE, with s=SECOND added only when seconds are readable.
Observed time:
h=2 m=24
